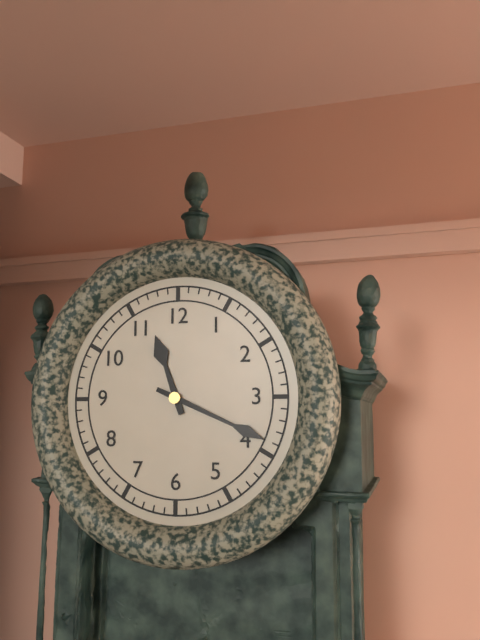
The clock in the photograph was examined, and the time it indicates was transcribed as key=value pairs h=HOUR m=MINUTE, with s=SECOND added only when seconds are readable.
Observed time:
h=11 m=19
